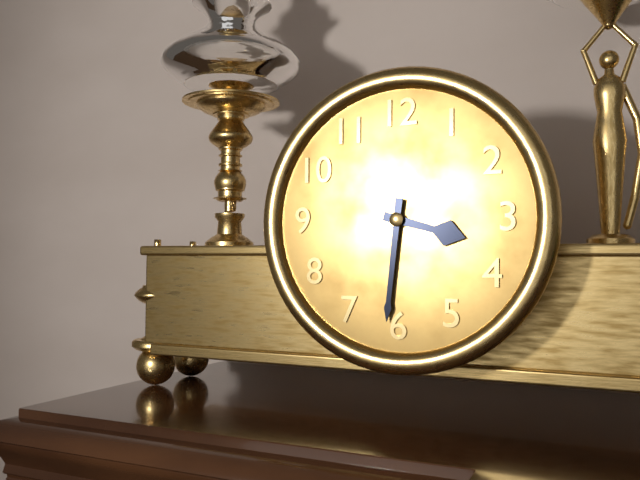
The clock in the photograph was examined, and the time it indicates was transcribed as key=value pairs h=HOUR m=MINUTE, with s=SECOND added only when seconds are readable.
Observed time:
h=3 m=31
